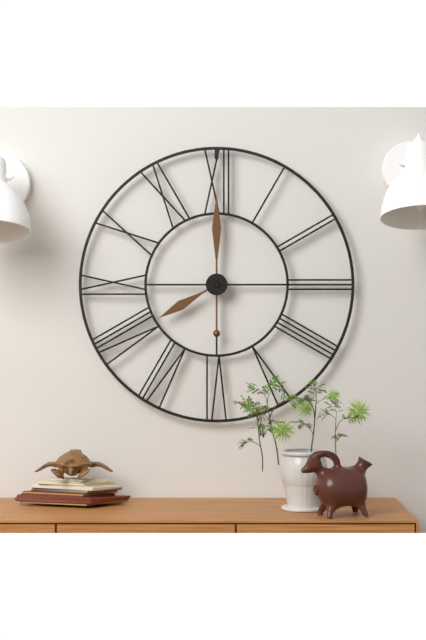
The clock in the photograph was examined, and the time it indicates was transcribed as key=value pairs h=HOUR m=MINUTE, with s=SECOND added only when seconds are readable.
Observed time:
h=8 m=0
